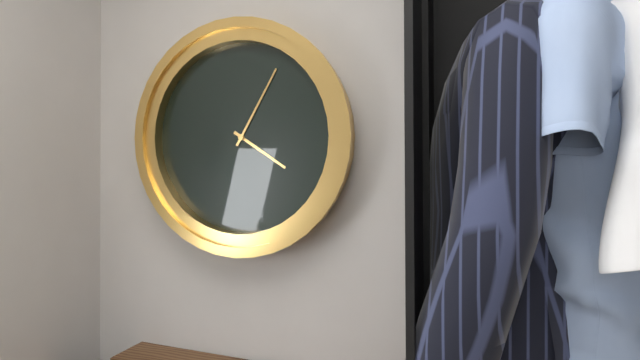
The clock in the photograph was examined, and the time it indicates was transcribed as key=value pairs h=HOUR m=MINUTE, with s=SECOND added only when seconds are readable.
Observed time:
h=4 m=5
